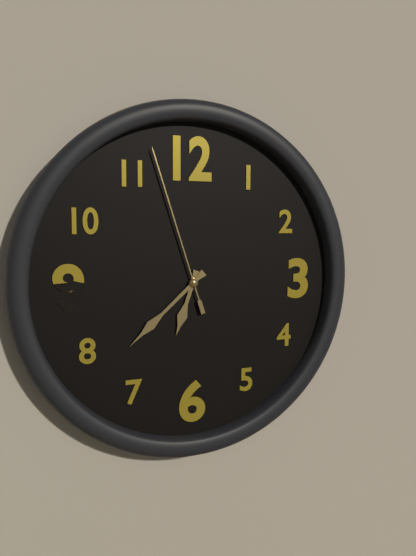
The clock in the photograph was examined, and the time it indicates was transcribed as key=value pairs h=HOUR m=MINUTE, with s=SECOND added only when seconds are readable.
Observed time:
h=6 m=38 s=57
